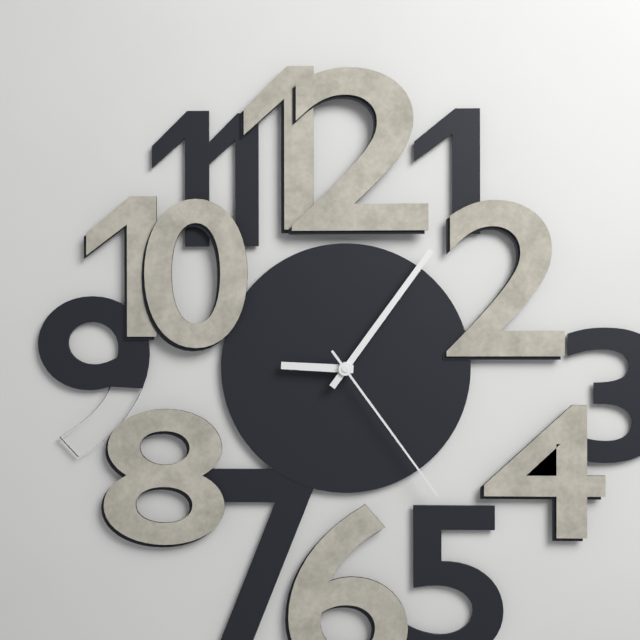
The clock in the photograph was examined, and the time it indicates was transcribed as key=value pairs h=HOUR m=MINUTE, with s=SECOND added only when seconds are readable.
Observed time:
h=9 m=6 s=24
